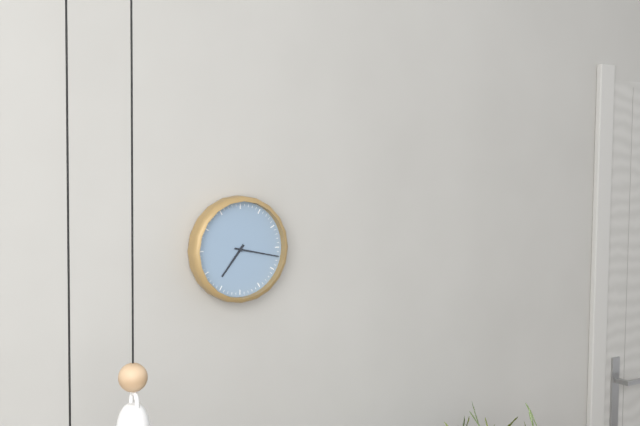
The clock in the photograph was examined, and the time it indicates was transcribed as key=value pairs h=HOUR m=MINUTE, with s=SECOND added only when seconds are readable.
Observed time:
h=7 m=17
